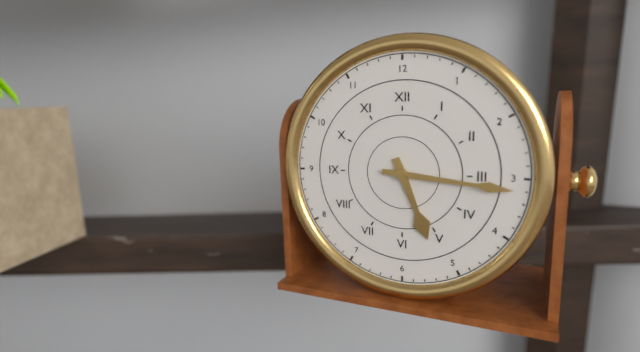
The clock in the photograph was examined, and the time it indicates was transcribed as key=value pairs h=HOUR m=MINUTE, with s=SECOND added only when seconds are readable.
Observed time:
h=5 m=16
